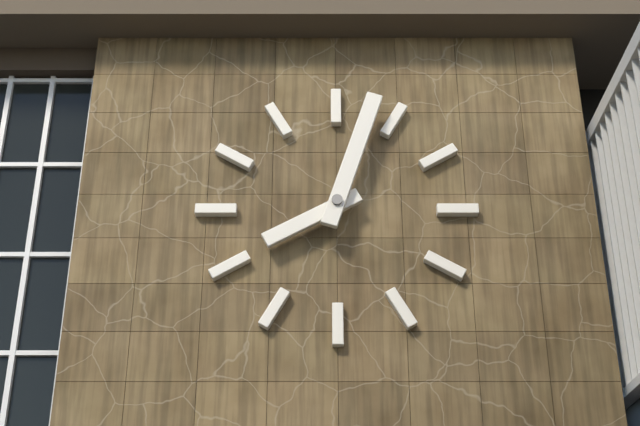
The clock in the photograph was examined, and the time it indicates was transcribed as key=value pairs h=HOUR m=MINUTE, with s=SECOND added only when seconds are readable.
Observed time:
h=8 m=3
